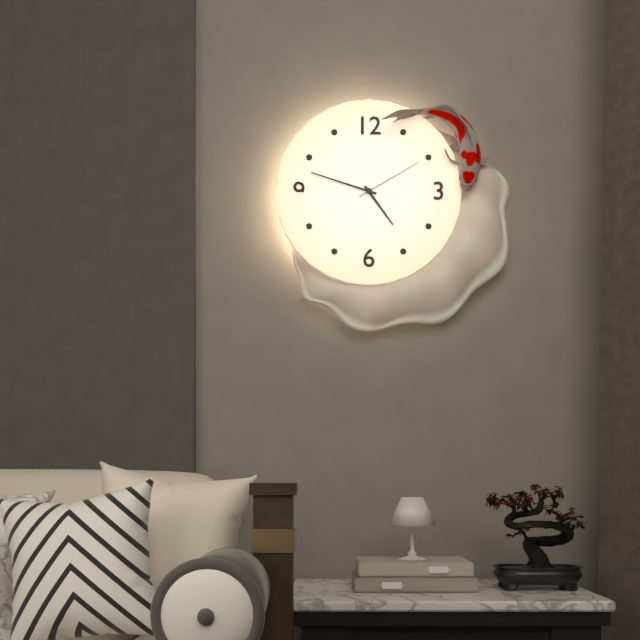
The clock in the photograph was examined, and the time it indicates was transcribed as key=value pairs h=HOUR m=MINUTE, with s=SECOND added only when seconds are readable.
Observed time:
h=4 m=48 s=10
